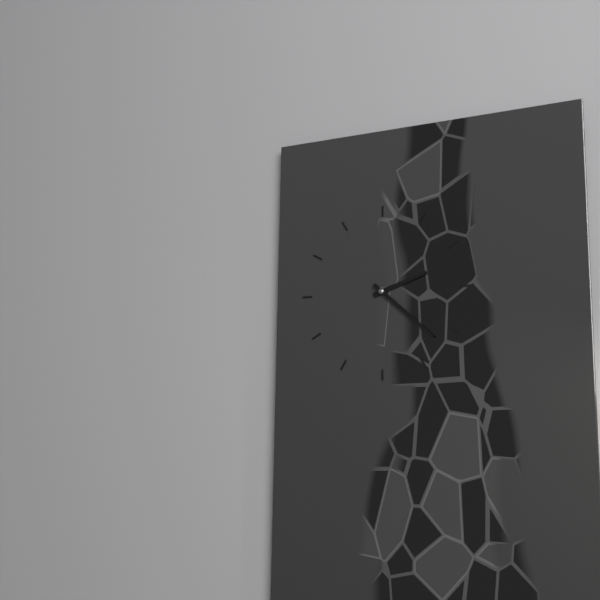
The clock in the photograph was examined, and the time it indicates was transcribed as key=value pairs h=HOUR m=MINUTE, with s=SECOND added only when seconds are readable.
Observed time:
h=2 m=22
